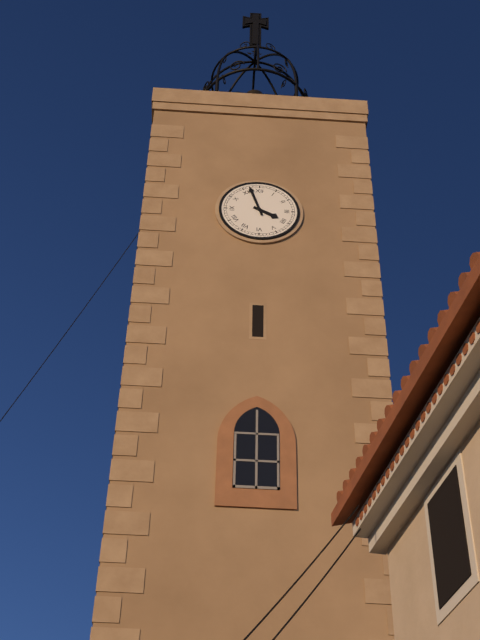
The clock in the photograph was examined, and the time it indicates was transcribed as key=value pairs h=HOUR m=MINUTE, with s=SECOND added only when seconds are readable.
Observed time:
h=3 m=57
